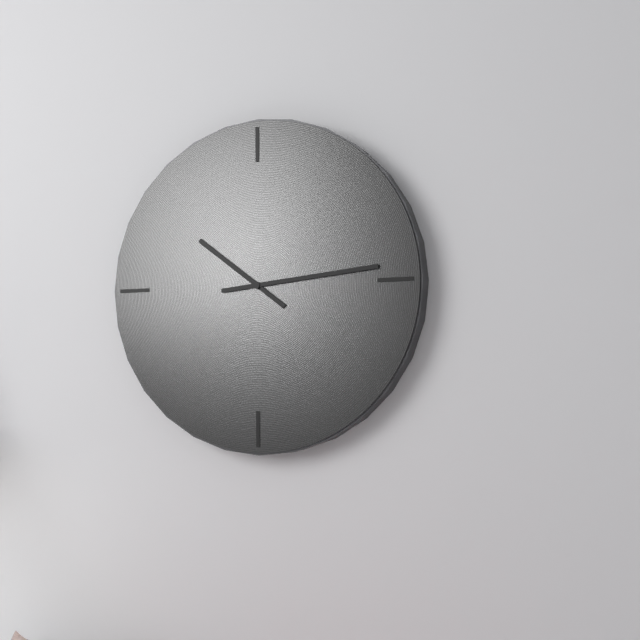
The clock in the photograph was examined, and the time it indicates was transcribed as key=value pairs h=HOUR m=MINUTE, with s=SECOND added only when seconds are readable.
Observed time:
h=10 m=14
